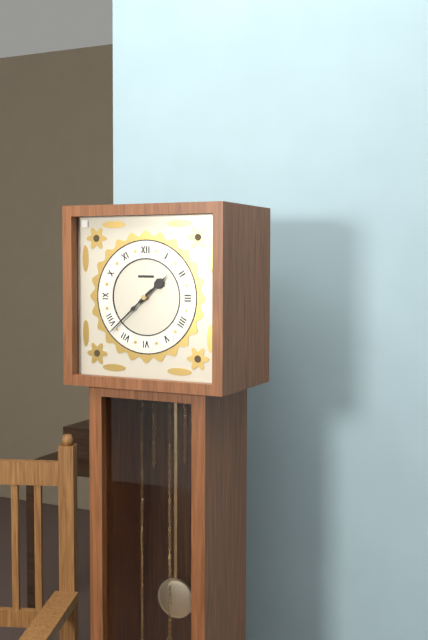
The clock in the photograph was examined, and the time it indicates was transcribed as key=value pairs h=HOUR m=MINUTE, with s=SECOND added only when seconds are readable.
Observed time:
h=1 m=38
